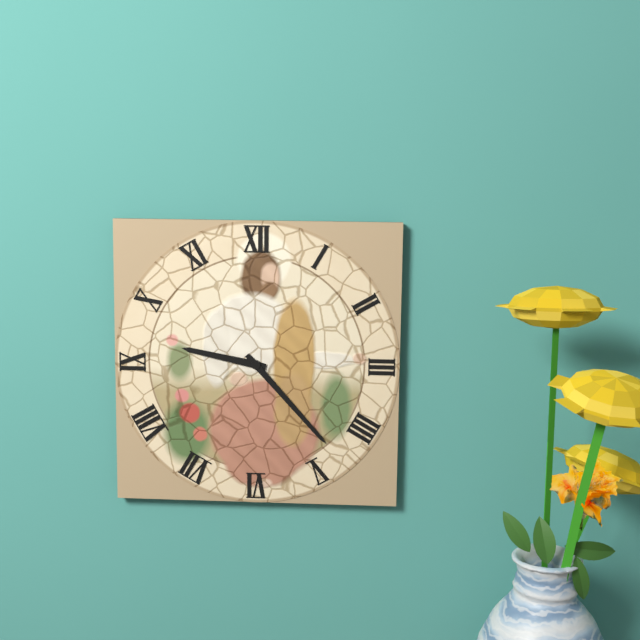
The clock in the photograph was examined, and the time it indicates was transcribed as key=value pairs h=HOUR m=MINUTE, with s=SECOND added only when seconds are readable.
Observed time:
h=9 m=23
